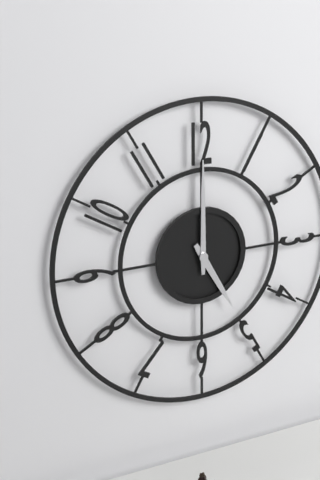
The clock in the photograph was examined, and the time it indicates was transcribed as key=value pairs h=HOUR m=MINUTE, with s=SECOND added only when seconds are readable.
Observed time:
h=5 m=0
